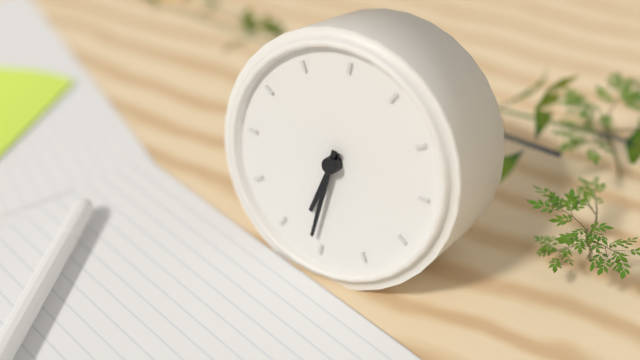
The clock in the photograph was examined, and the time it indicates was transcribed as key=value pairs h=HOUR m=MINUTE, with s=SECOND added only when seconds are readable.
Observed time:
h=6 m=31
